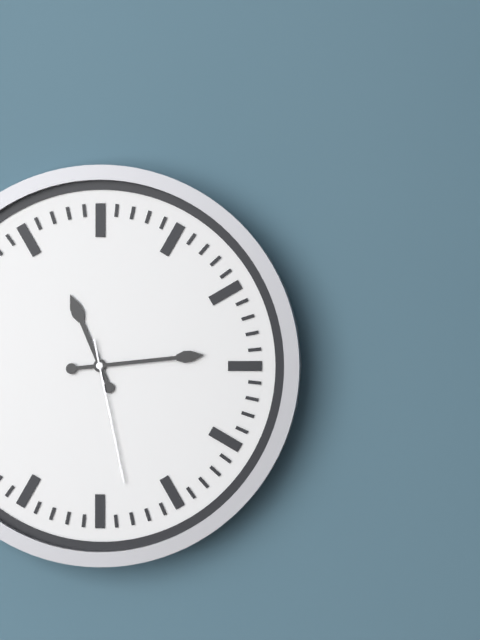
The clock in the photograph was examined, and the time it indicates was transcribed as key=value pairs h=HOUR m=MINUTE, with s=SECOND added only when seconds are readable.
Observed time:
h=11 m=14 s=28
